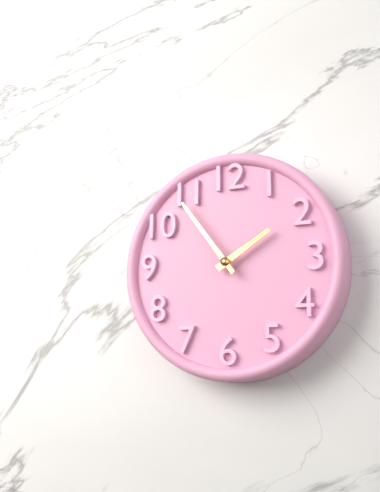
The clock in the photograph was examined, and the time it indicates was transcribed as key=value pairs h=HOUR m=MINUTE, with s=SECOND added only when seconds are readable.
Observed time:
h=1 m=54
